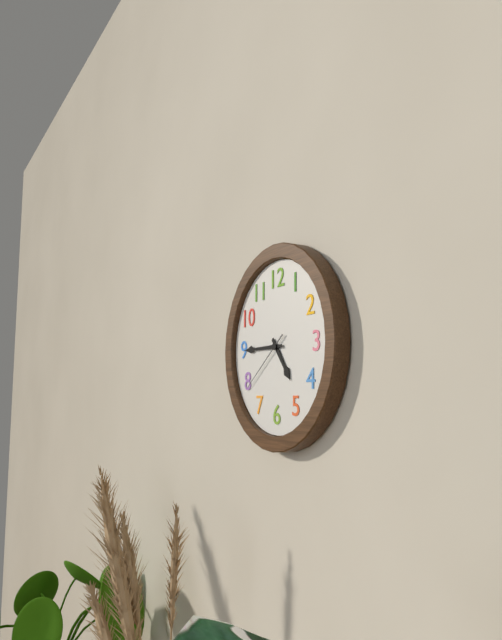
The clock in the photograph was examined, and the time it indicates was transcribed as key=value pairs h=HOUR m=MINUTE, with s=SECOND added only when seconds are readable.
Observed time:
h=4 m=45 s=39
